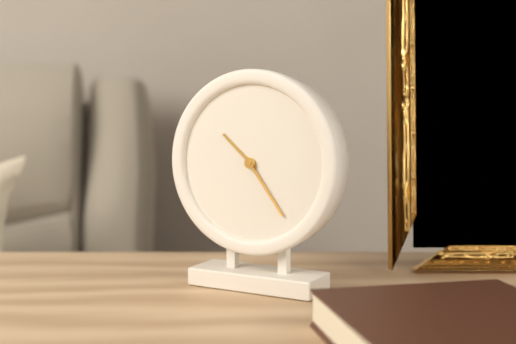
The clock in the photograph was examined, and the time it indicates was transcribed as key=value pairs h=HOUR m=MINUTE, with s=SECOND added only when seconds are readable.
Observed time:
h=10 m=24
